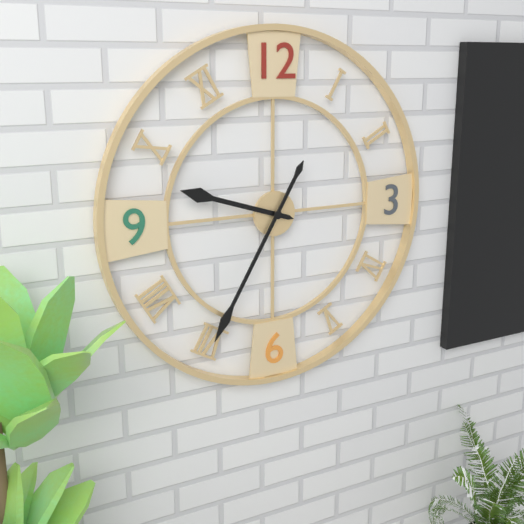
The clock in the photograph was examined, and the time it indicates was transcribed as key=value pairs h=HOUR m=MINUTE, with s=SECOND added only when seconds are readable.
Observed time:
h=9 m=35
